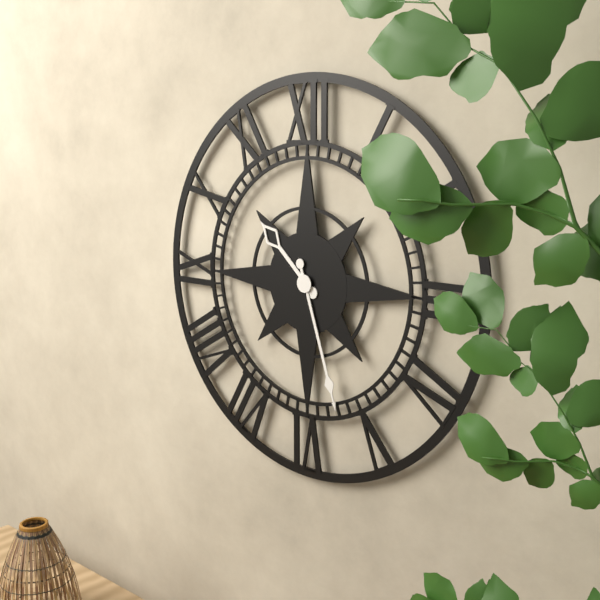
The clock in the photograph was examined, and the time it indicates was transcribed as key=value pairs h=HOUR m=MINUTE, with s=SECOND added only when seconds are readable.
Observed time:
h=10 m=27
